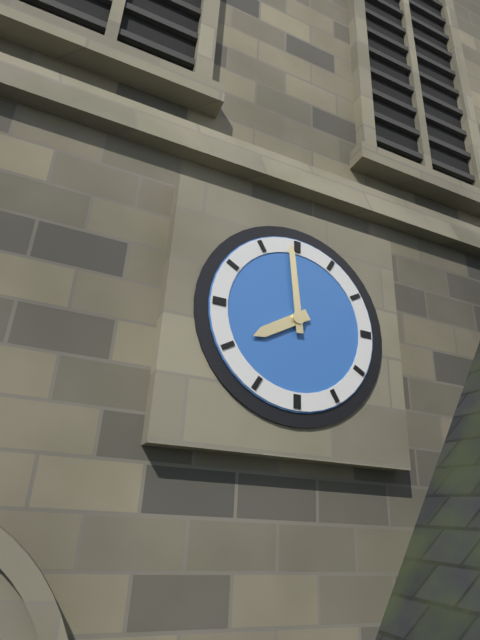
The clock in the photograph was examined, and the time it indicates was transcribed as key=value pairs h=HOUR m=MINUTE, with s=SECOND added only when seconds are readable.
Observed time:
h=7 m=59
